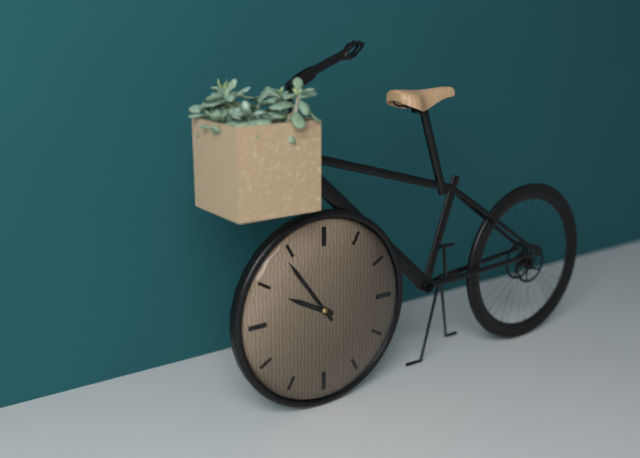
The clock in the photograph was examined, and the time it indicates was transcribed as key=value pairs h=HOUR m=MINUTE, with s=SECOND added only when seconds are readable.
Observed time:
h=9 m=54
